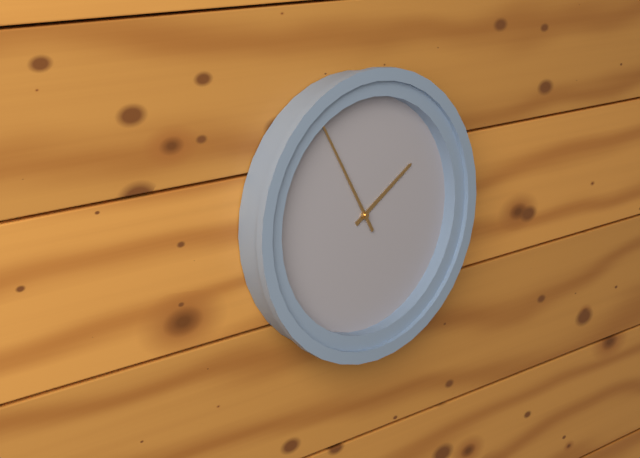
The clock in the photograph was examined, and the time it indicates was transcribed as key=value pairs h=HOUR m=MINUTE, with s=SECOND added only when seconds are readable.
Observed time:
h=1 m=55
